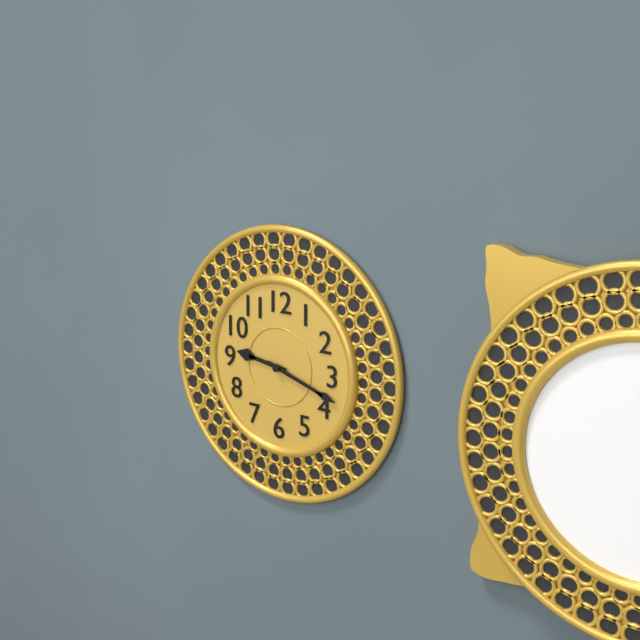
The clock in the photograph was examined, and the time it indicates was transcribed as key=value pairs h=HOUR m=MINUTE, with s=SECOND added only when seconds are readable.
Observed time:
h=9 m=18
